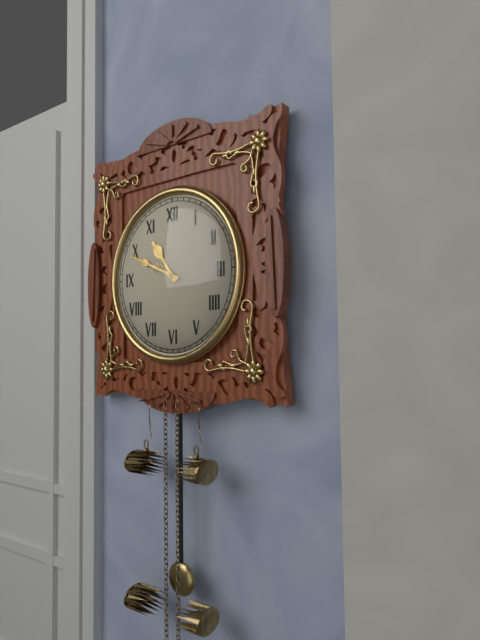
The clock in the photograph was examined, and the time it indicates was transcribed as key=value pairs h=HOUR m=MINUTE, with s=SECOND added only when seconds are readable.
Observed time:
h=10 m=49
